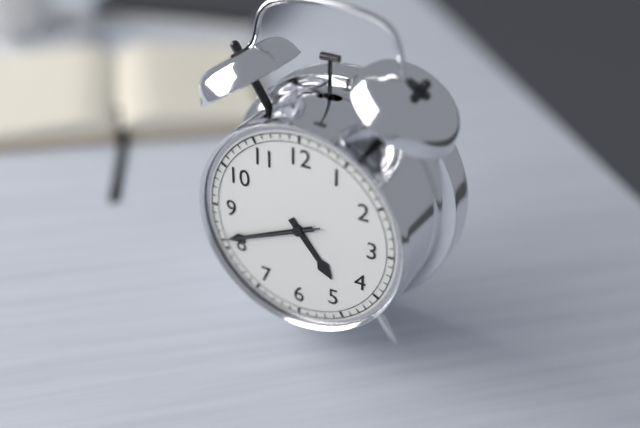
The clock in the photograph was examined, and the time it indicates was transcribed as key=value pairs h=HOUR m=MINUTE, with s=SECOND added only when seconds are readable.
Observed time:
h=4 m=41 s=41
